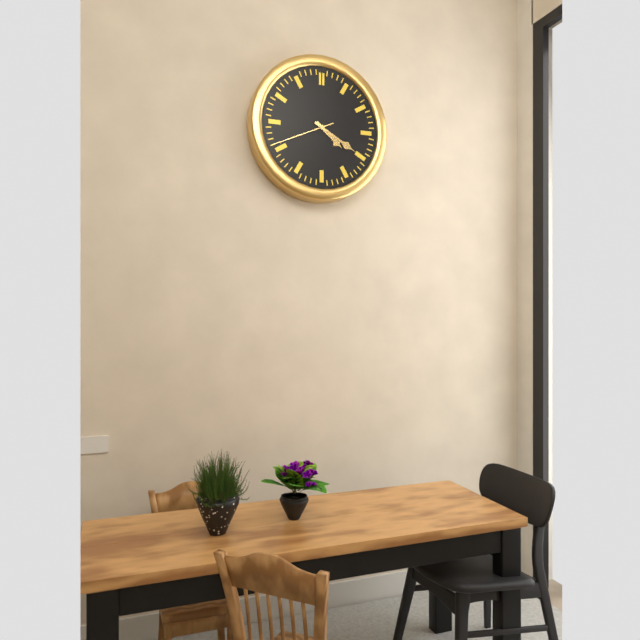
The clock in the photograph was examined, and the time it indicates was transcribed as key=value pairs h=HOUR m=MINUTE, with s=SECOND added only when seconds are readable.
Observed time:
h=4 m=20 s=41
